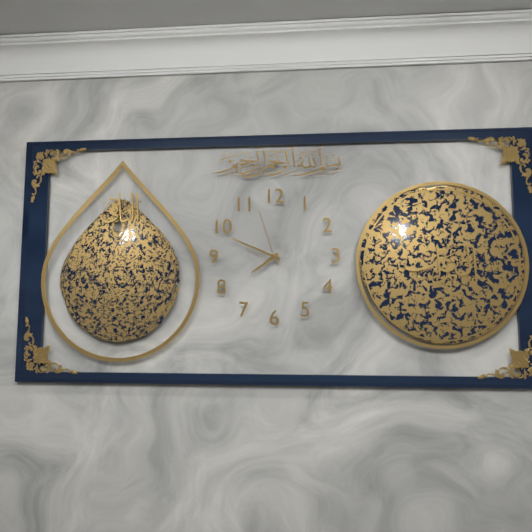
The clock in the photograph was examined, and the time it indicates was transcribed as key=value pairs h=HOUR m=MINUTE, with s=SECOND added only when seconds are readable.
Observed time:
h=7 m=49 s=57
